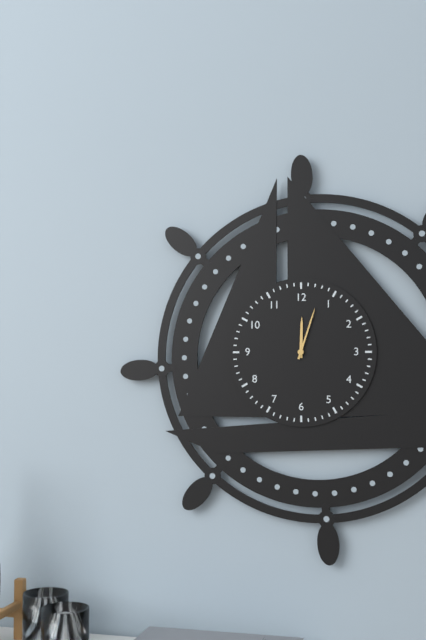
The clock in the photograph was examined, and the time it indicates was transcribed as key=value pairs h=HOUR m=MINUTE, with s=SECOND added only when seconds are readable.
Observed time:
h=12 m=3
